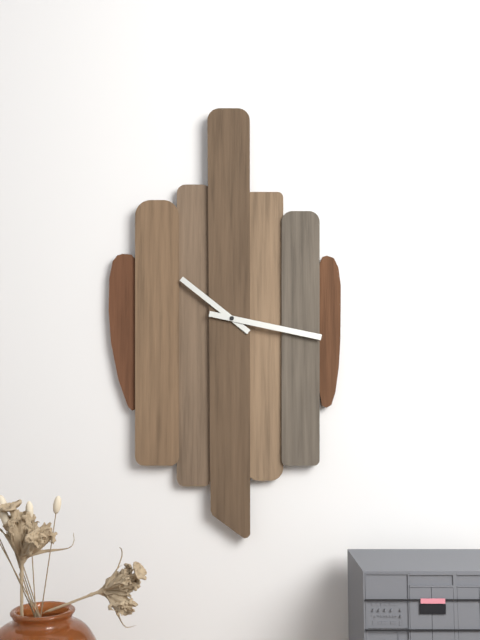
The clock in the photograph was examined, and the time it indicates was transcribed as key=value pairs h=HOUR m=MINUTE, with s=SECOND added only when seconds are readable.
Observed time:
h=10 m=17
